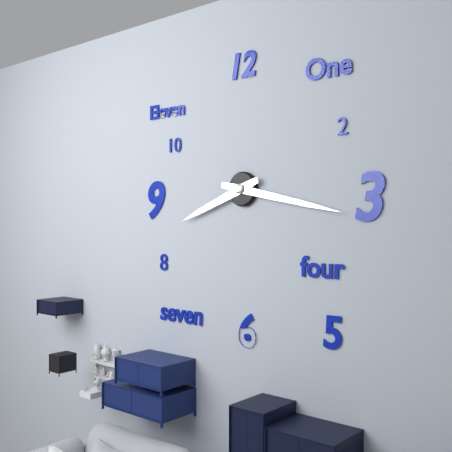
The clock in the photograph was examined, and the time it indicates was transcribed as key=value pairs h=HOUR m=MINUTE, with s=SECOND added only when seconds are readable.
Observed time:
h=8 m=17
